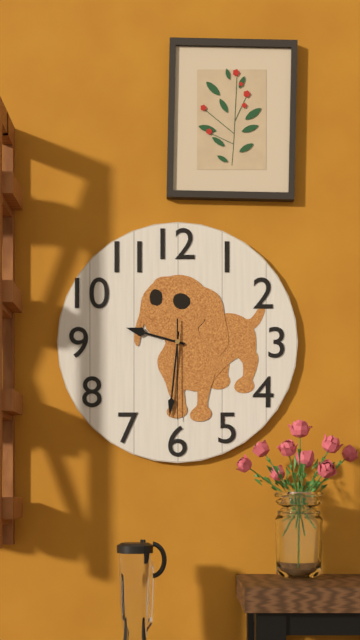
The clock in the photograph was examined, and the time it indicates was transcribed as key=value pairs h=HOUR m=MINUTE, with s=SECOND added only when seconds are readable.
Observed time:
h=9 m=31 s=30
